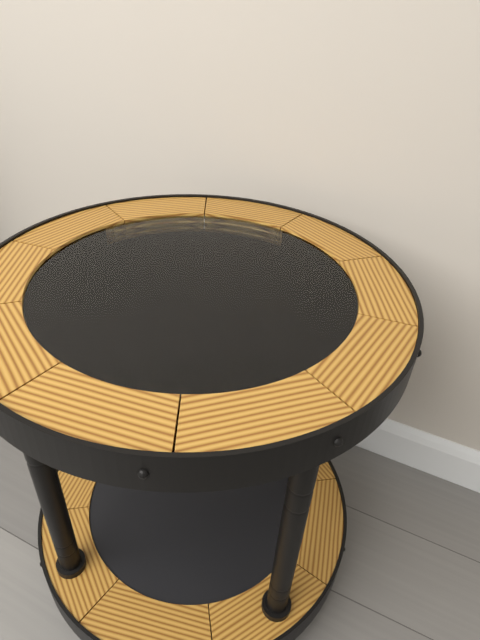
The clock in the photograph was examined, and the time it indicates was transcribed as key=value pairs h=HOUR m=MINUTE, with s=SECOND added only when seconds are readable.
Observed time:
h=9 m=33
